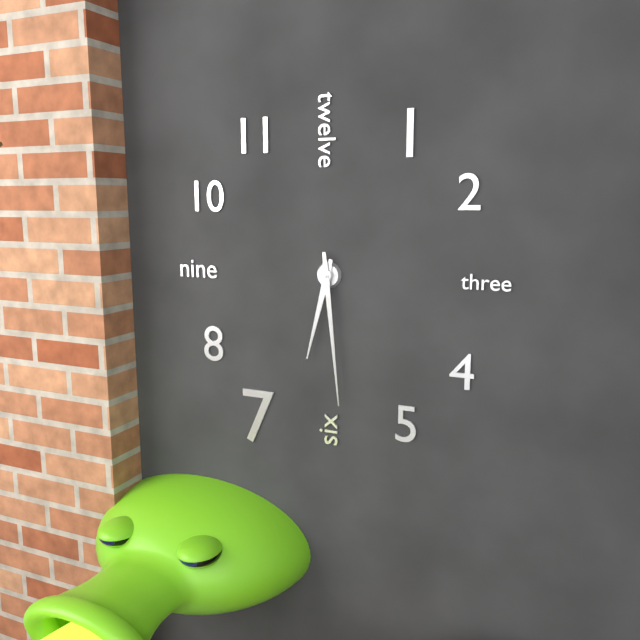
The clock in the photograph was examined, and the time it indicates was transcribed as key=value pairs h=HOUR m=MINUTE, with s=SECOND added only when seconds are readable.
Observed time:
h=6 m=29
